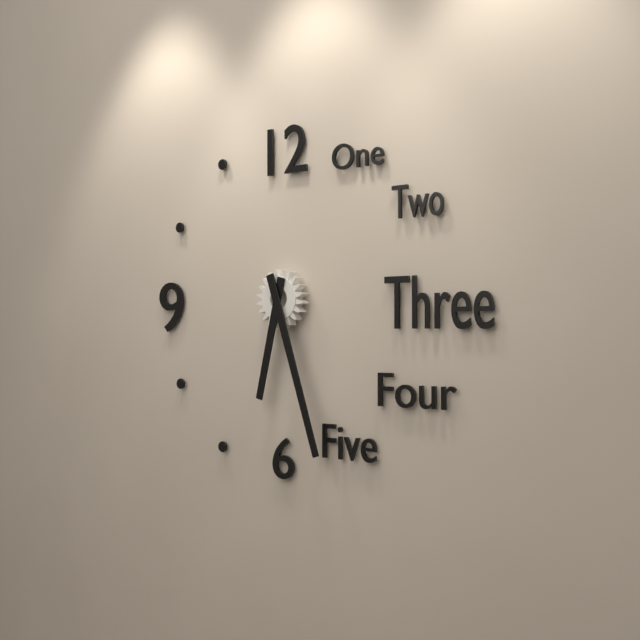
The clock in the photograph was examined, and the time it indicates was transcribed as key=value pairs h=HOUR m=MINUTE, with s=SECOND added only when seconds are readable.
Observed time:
h=6 m=27
